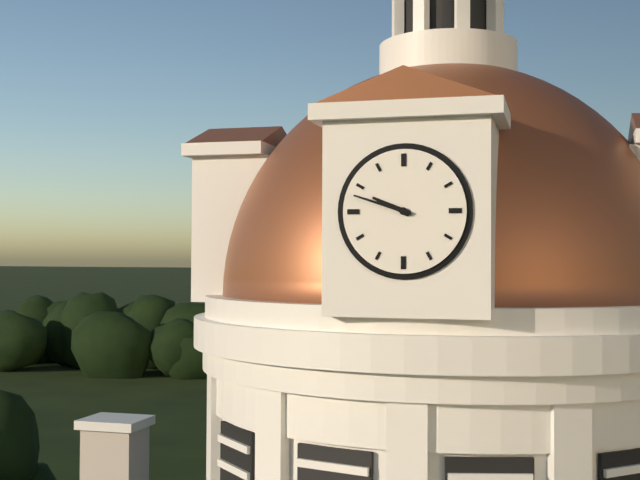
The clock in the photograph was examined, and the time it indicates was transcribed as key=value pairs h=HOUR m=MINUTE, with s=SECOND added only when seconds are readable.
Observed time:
h=9 m=48
